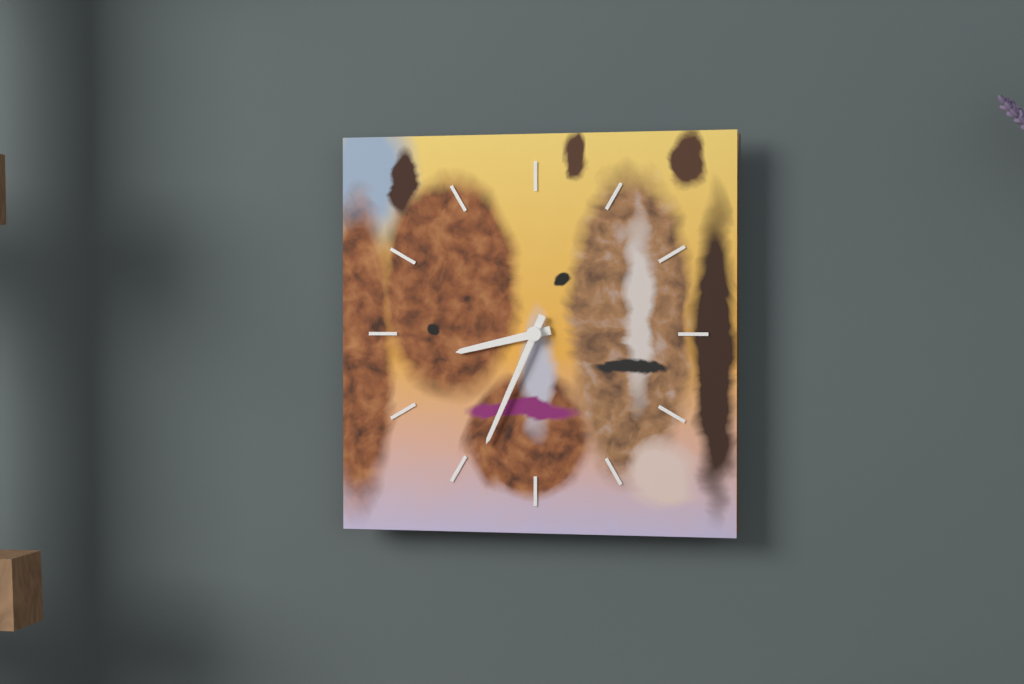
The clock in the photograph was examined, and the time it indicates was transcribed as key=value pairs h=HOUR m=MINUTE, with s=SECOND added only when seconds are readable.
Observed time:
h=8 m=34
